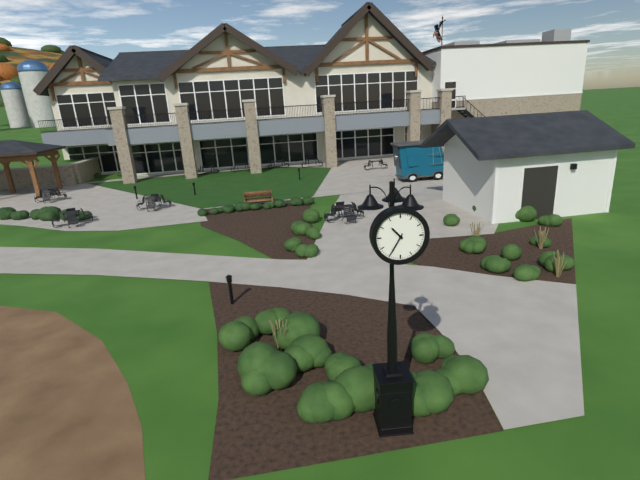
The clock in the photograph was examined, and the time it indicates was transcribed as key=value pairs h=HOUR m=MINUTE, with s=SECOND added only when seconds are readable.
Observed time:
h=10 m=35
